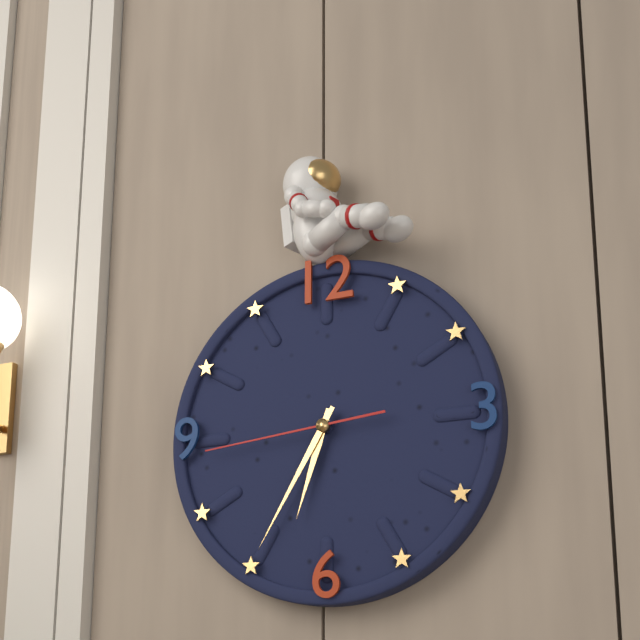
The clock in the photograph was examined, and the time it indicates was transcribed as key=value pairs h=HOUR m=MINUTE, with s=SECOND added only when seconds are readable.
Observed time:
h=6 m=35 s=44
